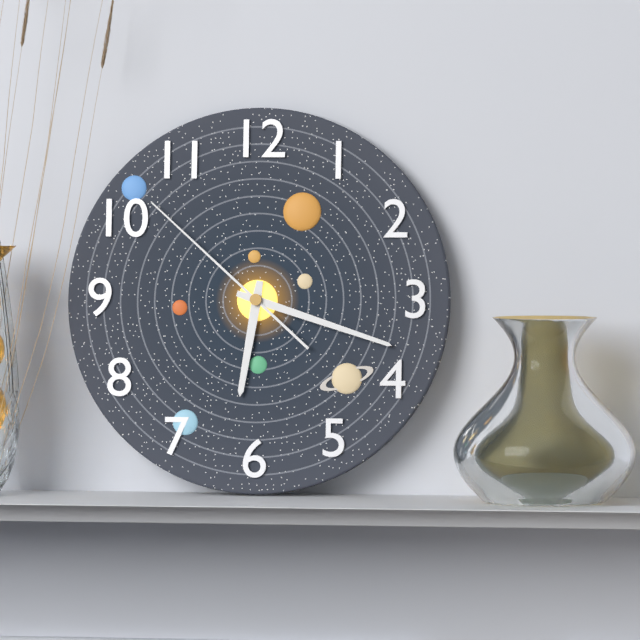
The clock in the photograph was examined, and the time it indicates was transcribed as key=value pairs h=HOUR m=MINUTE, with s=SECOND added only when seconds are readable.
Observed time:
h=6 m=18 s=52
